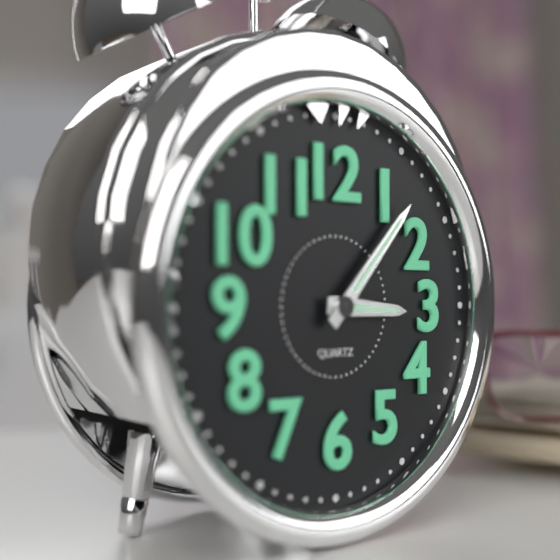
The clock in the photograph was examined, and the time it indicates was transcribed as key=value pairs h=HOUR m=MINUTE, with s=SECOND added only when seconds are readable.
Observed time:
h=3 m=7
